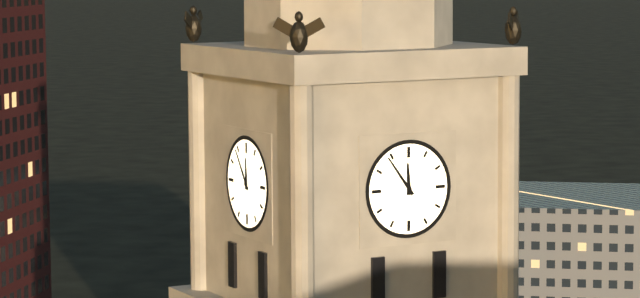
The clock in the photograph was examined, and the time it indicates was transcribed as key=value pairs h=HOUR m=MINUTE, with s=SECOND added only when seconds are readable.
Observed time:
h=11 m=54
